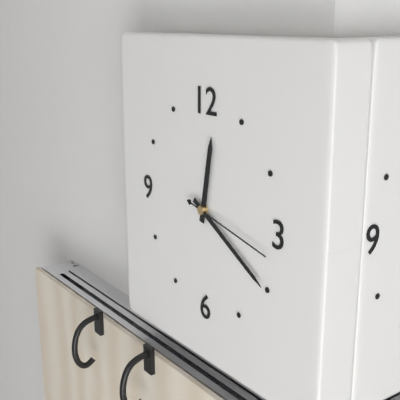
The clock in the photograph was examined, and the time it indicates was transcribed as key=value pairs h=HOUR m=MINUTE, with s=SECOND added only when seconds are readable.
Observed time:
h=12 m=20 s=17
